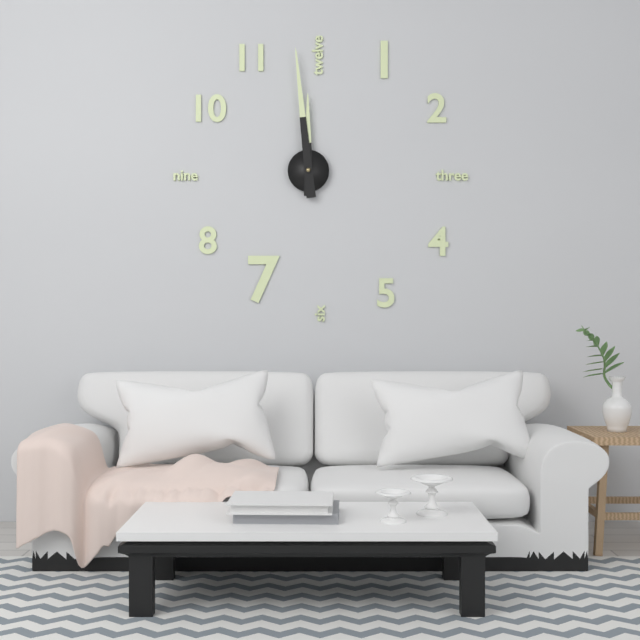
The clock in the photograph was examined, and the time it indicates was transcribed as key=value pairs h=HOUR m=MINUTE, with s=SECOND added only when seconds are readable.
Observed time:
h=11 m=59
